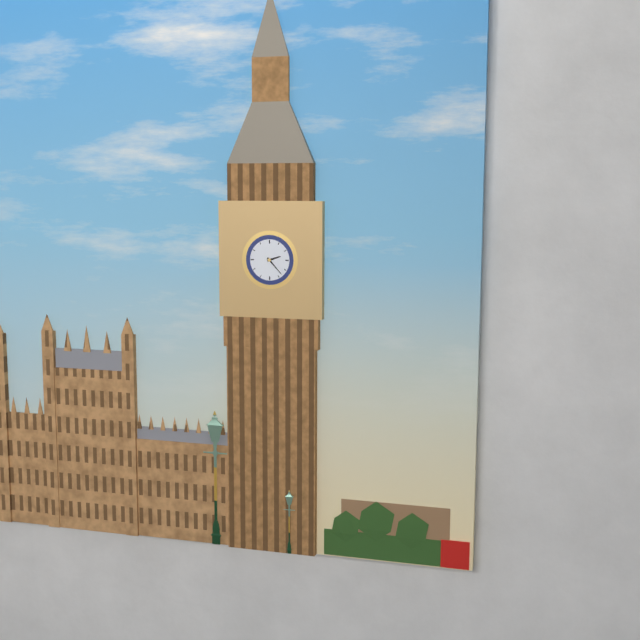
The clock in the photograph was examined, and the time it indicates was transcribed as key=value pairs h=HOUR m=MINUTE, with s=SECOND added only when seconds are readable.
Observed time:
h=2 m=23
